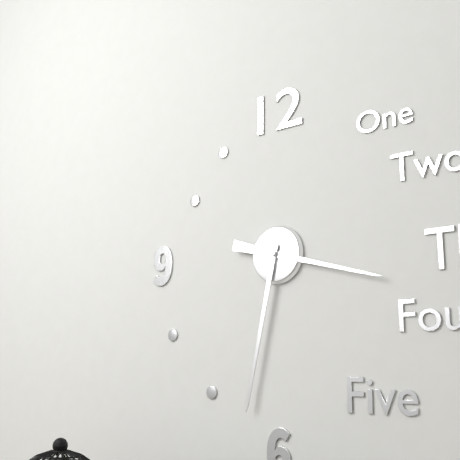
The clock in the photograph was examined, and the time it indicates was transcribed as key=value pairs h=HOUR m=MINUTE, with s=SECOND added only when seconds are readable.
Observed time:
h=3 m=32
